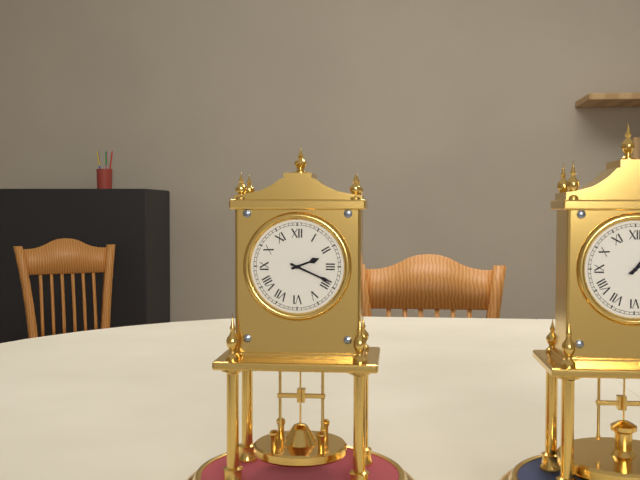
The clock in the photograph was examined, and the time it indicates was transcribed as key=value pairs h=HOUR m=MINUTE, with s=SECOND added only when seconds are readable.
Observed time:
h=2 m=19
